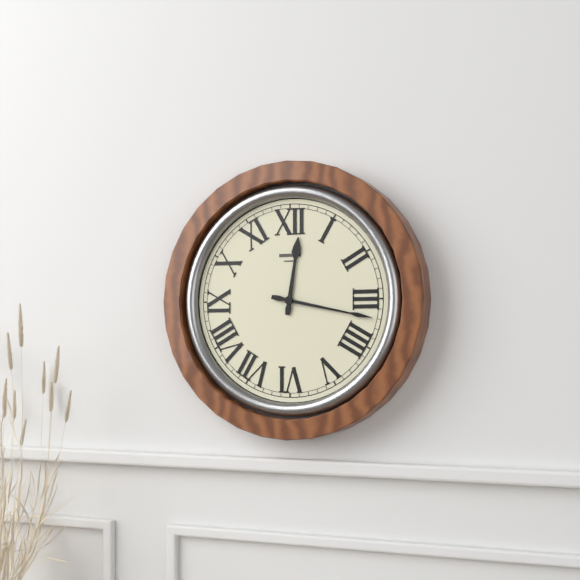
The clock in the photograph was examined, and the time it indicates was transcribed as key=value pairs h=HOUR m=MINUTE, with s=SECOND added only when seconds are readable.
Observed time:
h=12 m=17
